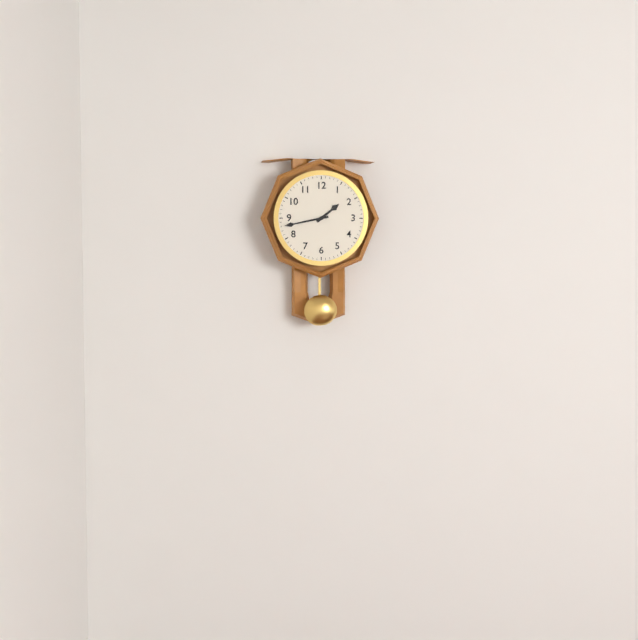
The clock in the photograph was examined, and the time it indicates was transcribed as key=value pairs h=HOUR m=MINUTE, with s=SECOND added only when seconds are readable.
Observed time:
h=1 m=43
